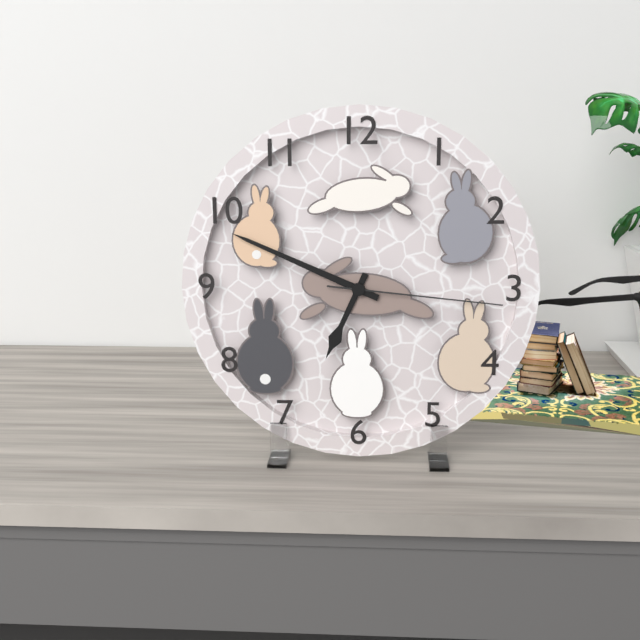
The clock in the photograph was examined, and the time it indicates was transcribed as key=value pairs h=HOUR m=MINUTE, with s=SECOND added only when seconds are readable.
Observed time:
h=6 m=49 s=16
